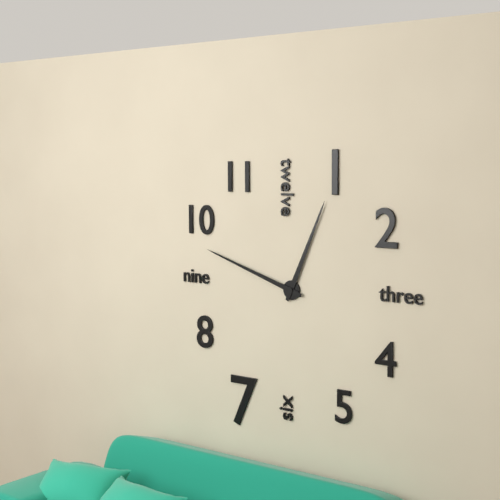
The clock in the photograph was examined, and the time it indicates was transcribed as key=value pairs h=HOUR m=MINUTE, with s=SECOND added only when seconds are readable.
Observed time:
h=12 m=48
